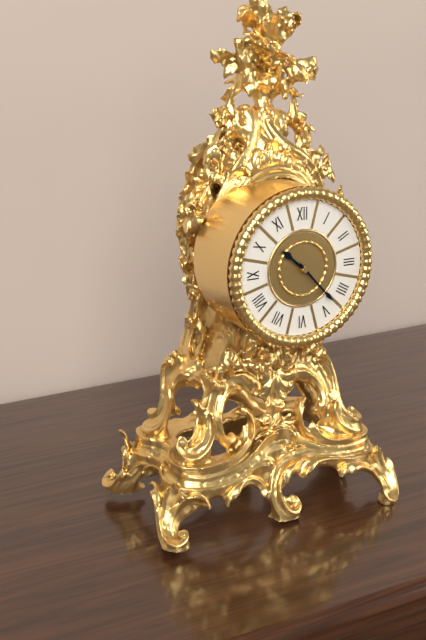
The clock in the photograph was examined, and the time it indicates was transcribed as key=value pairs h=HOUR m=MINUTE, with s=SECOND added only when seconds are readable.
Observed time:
h=10 m=23
